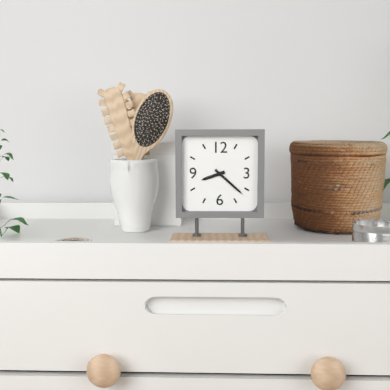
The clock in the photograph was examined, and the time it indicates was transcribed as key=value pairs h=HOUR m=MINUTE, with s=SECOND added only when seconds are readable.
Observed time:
h=8 m=22
